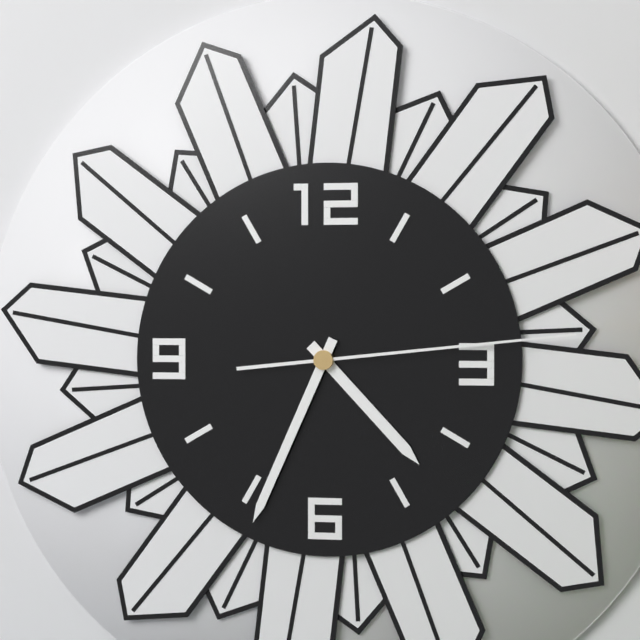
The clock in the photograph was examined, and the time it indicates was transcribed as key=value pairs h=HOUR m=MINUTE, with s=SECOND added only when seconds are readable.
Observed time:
h=4 m=34 s=14
